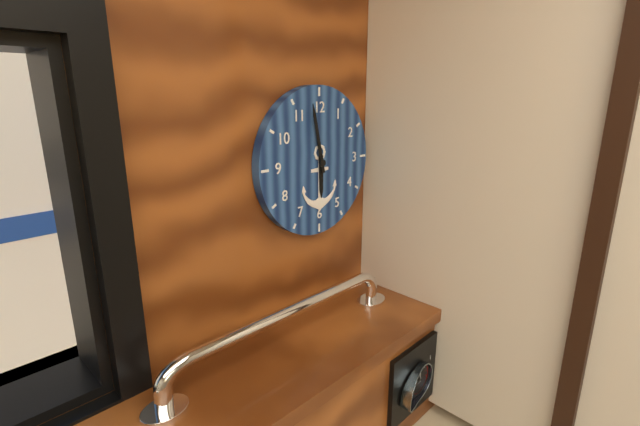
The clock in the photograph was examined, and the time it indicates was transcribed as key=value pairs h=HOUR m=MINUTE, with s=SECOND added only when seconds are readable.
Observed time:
h=5 m=58
